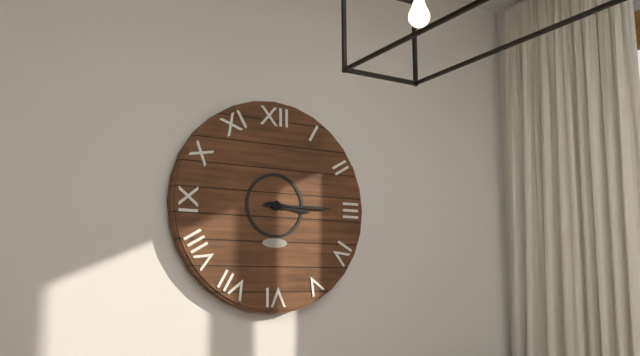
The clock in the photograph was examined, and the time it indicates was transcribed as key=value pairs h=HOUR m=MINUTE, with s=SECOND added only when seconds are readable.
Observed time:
h=3 m=15
